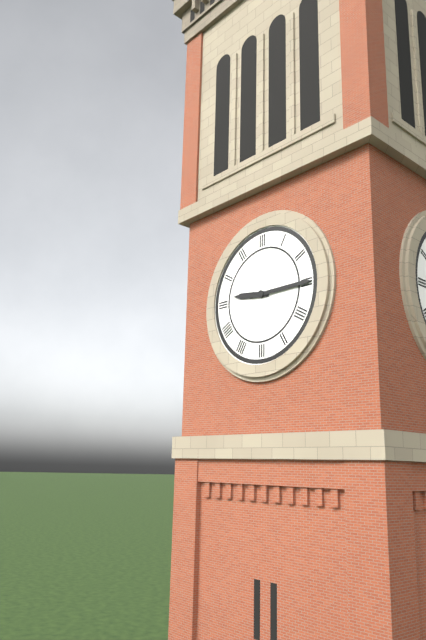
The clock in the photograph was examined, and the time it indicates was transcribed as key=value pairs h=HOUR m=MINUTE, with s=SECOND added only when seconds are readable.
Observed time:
h=9 m=15
